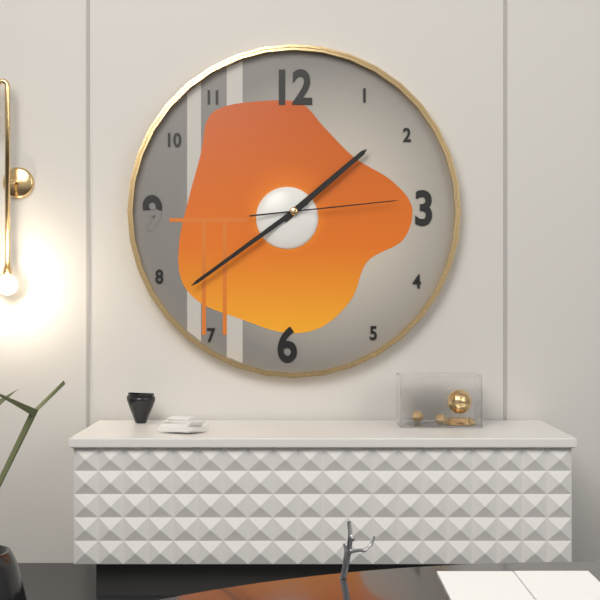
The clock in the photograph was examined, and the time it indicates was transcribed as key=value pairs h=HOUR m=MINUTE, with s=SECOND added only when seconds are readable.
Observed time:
h=1 m=39 s=14
